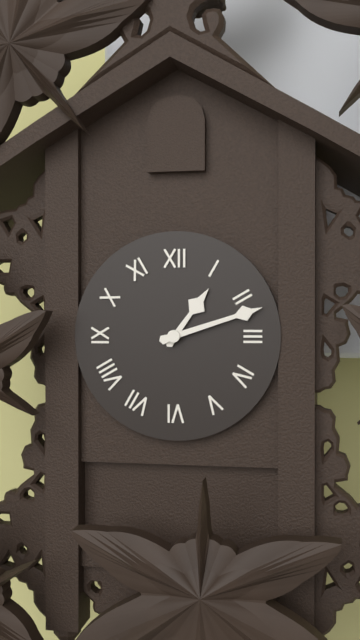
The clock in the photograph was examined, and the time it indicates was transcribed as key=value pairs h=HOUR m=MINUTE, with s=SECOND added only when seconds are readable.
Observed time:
h=1 m=12
